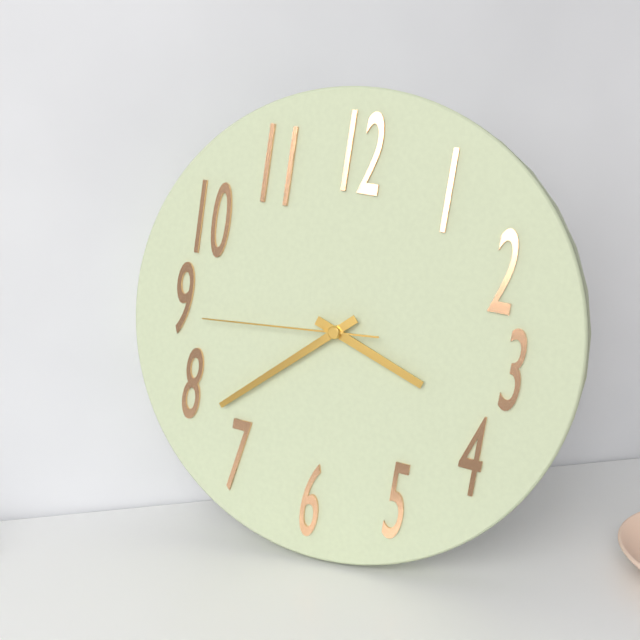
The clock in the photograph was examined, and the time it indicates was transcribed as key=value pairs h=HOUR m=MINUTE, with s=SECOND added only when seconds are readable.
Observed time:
h=3 m=38 s=44
